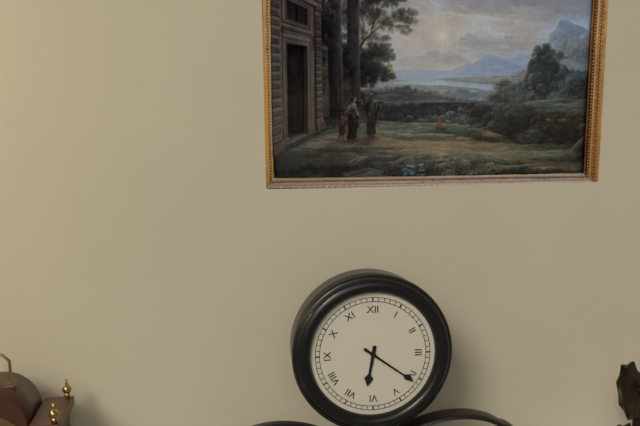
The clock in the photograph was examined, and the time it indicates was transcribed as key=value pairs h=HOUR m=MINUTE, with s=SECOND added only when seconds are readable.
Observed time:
h=6 m=21
